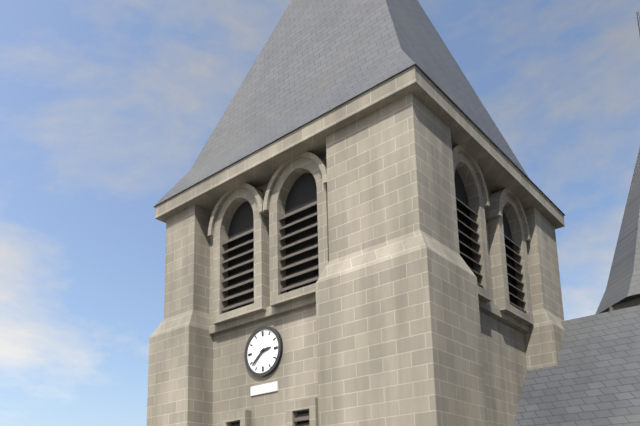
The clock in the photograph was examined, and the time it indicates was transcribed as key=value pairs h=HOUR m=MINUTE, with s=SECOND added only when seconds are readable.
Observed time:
h=2 m=38
